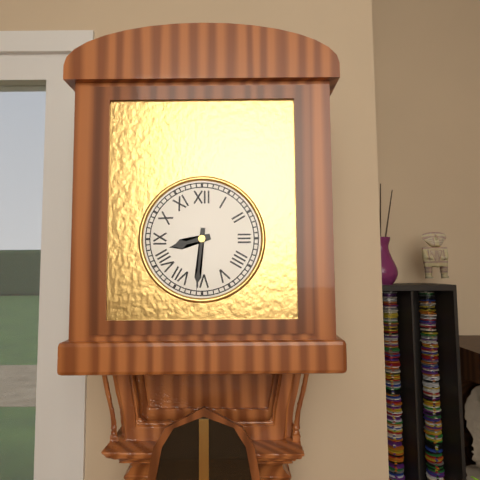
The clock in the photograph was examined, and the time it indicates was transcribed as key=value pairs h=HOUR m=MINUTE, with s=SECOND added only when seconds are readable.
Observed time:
h=8 m=31
